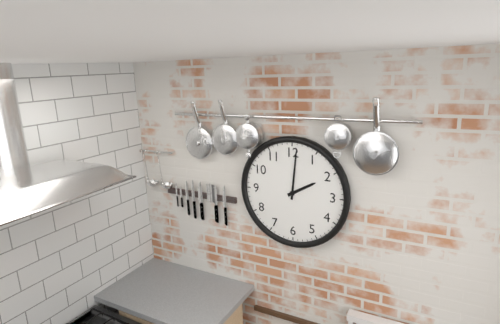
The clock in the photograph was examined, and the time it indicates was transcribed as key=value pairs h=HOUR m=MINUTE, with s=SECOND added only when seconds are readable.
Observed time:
h=2 m=1
